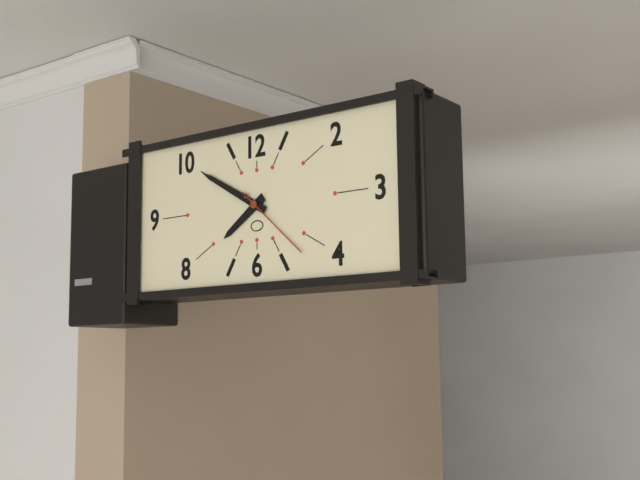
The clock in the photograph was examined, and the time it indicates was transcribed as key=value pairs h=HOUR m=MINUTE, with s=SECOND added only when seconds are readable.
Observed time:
h=7 m=50 s=22
